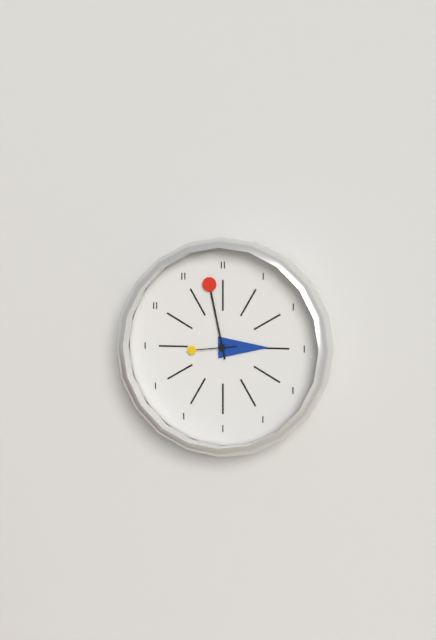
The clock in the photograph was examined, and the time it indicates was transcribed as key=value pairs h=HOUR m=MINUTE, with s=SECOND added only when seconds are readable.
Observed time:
h=2 m=58
